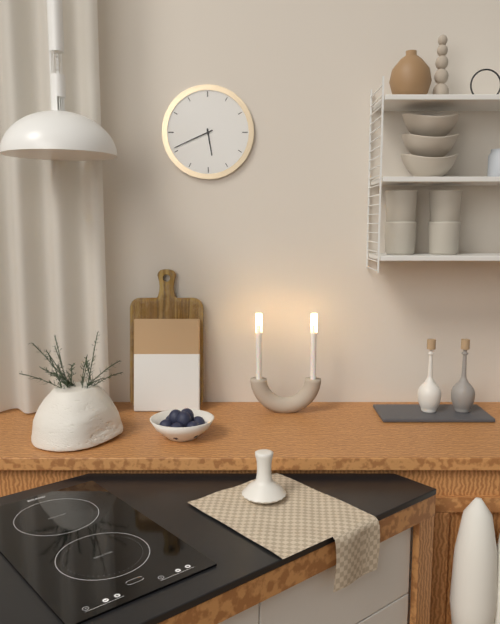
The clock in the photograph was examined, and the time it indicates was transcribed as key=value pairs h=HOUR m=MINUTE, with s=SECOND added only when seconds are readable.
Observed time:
h=5 m=41
